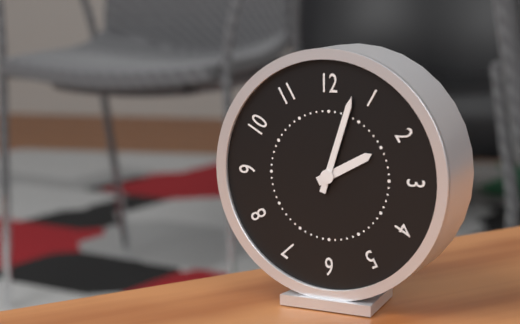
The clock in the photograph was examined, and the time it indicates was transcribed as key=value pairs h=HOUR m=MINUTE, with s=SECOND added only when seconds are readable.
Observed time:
h=2 m=3
